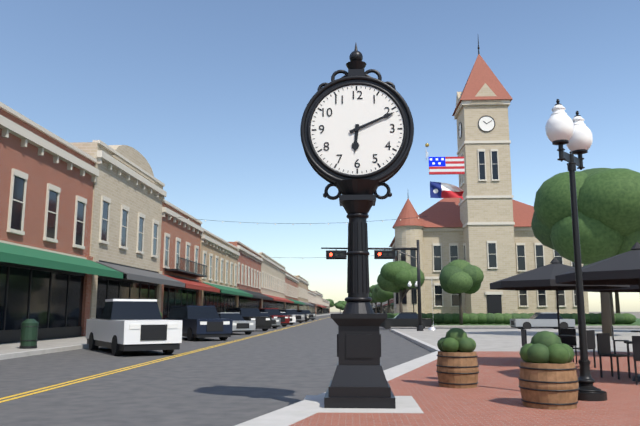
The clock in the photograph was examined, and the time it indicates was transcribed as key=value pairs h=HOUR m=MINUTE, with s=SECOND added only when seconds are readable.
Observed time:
h=6 m=11
